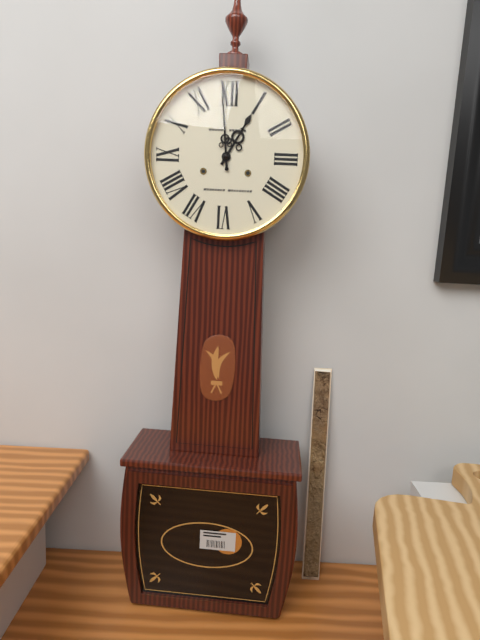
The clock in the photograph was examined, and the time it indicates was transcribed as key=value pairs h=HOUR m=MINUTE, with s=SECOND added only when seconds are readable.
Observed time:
h=12 m=59
